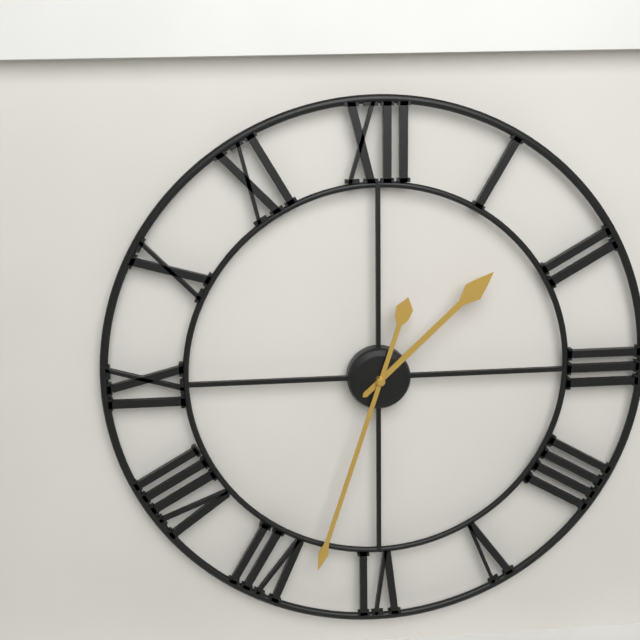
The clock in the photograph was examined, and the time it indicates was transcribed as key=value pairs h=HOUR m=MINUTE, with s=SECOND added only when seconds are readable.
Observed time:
h=1 m=33
